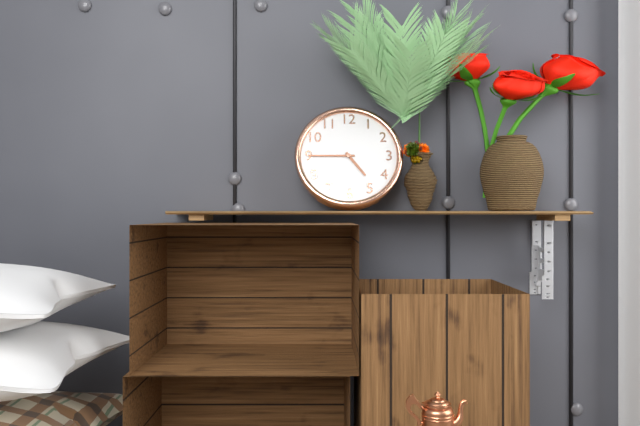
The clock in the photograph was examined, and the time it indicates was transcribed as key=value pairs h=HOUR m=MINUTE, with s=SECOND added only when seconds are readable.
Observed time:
h=4 m=45
